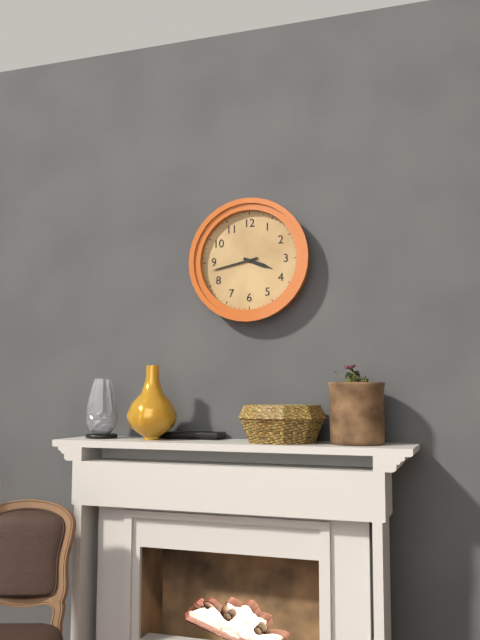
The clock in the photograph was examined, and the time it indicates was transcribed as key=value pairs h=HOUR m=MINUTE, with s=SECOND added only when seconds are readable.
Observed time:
h=3 m=43
